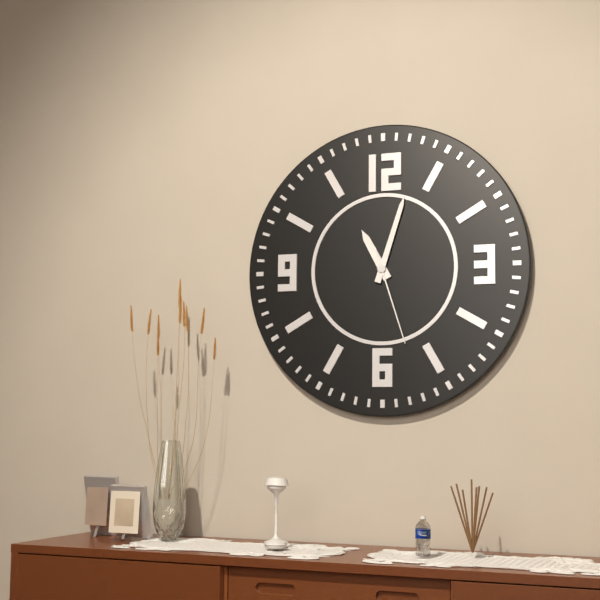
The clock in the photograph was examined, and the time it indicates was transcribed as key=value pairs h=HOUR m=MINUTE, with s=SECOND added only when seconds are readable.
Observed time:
h=11 m=3 s=27
